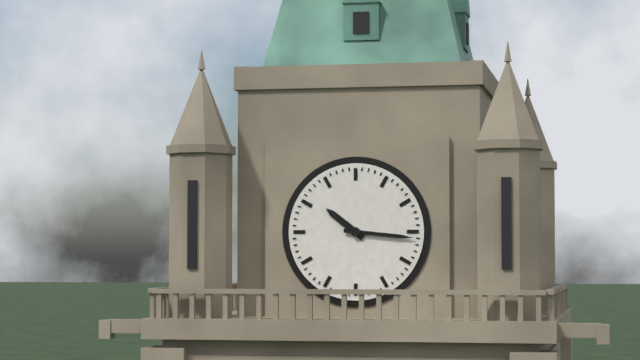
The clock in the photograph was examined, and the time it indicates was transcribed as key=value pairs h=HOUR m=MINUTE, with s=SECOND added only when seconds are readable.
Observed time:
h=10 m=16
